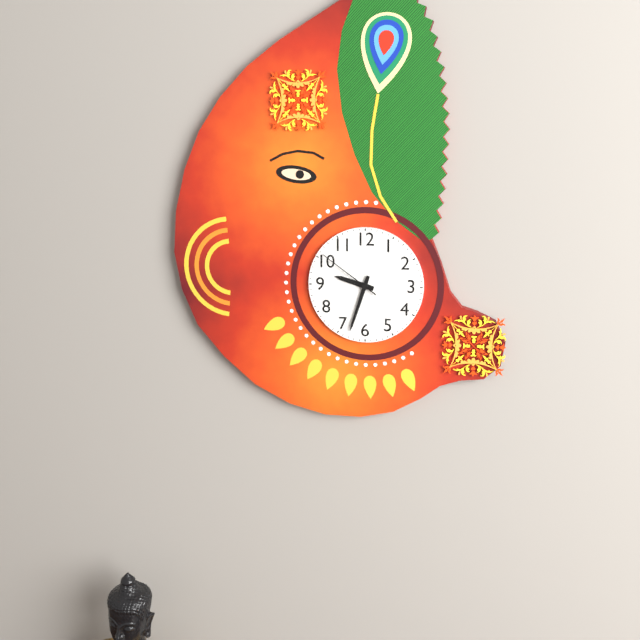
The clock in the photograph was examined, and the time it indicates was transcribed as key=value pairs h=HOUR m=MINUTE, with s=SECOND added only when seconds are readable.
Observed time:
h=9 m=33 s=51
